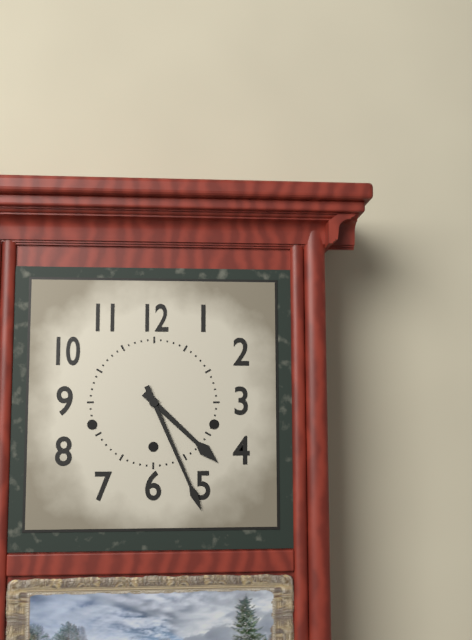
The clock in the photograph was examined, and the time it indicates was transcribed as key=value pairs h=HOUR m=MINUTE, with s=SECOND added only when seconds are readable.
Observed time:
h=4 m=26
